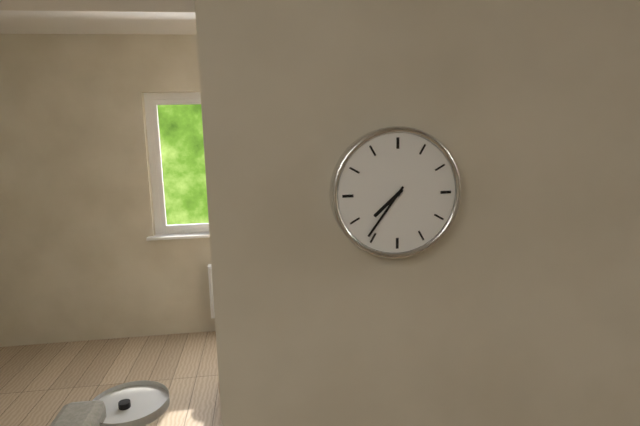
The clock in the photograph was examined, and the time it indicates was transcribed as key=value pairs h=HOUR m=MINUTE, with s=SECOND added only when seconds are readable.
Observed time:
h=7 m=36
